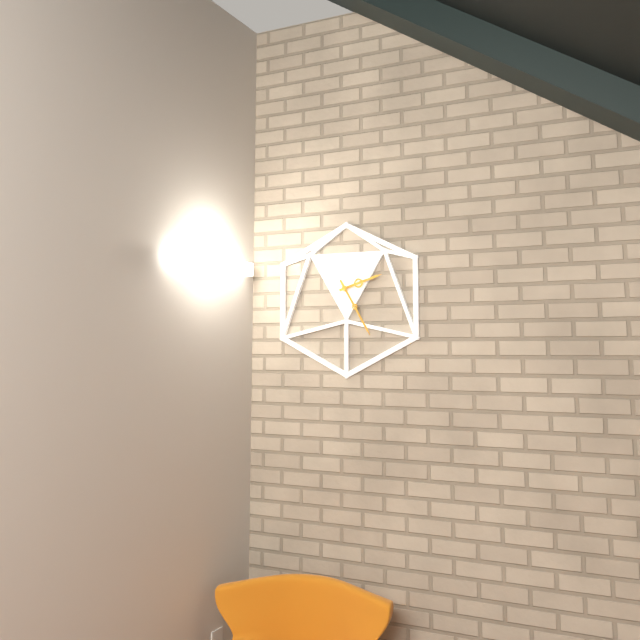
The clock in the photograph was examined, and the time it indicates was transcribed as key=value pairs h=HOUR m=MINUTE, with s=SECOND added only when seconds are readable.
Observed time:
h=2 m=25
